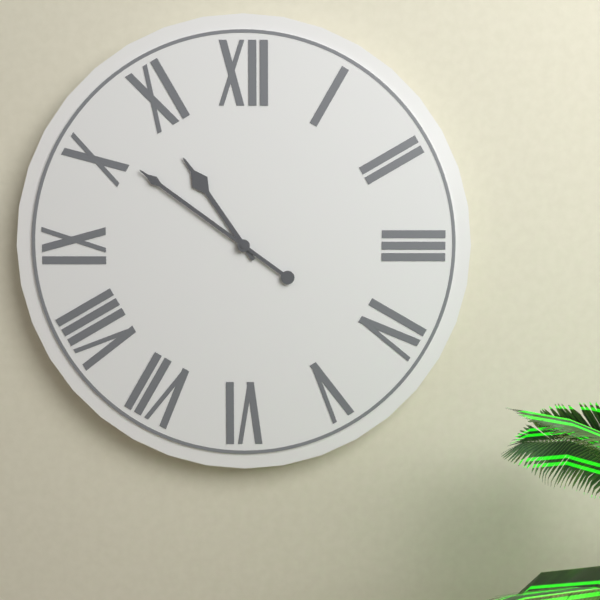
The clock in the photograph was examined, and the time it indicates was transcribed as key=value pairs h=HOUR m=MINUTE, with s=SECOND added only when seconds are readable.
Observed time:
h=10 m=51
